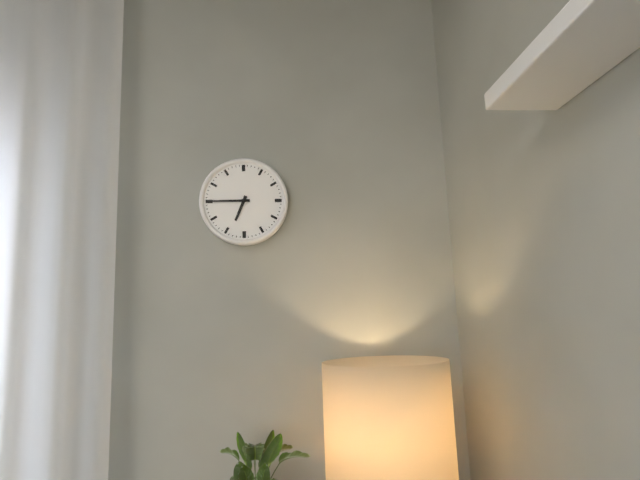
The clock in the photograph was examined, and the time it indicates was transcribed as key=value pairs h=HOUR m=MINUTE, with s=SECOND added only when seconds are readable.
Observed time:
h=6 m=45
